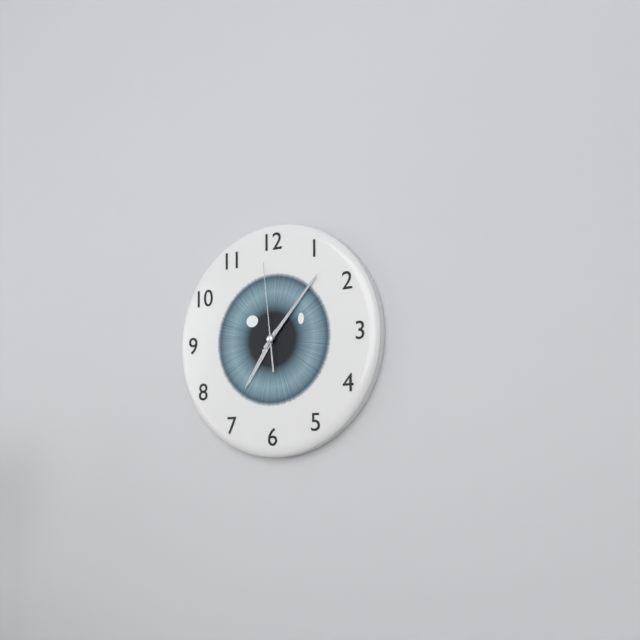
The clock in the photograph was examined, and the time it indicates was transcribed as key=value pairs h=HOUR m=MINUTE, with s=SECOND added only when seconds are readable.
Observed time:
h=7 m=7 s=59
